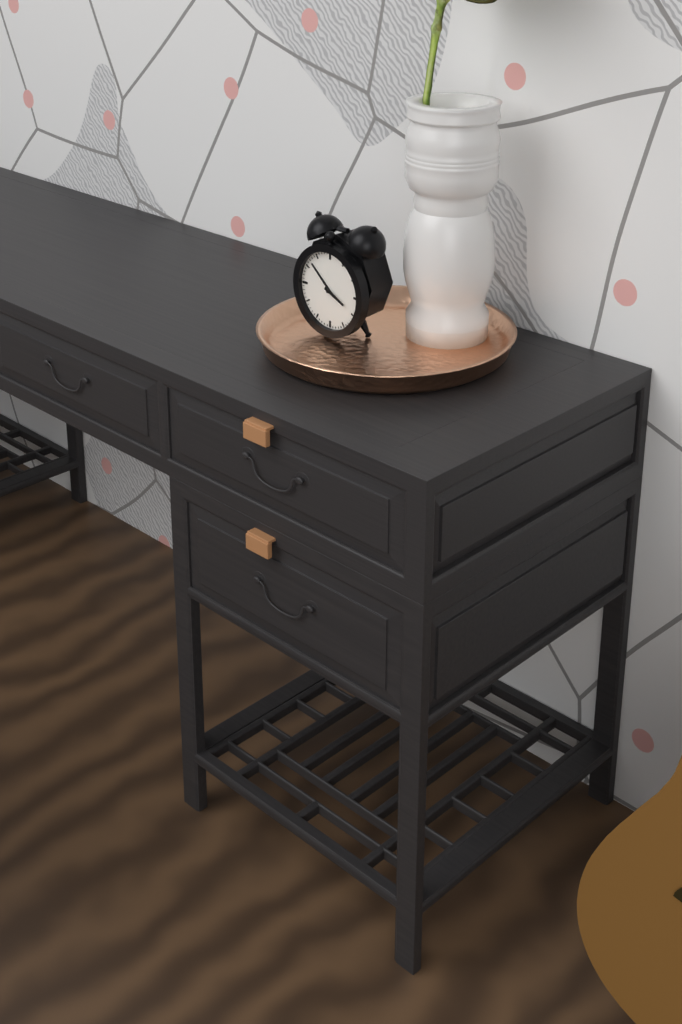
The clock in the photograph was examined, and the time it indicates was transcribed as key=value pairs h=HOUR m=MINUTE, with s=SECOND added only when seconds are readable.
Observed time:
h=3 m=52
